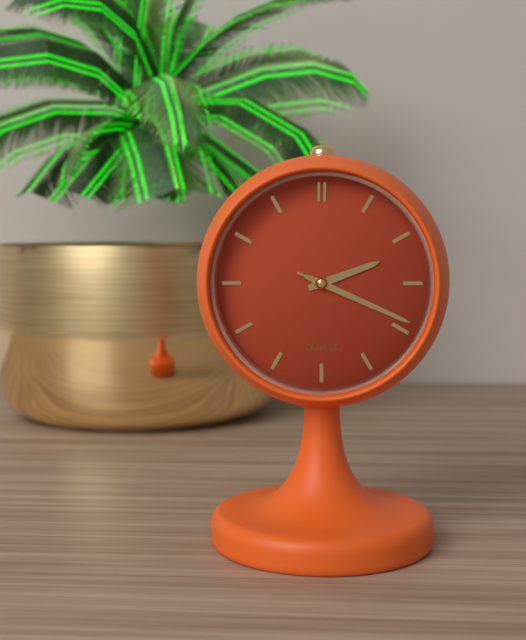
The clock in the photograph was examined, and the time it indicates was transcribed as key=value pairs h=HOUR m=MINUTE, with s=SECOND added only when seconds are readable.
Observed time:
h=2 m=19 s=19
